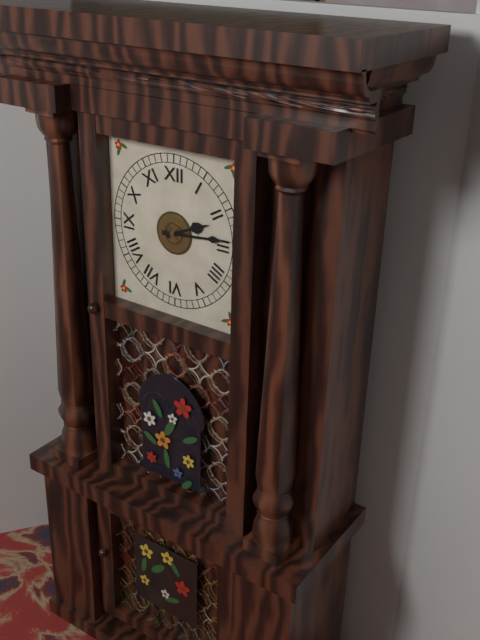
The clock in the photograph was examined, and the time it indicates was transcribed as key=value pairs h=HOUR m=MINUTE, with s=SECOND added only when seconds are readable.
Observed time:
h=2 m=14
